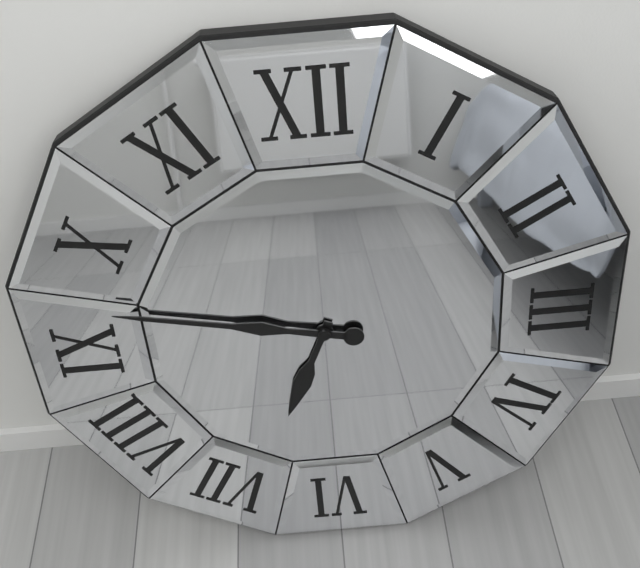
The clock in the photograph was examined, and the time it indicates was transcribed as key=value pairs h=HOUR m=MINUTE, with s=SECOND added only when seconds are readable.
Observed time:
h=6 m=47
